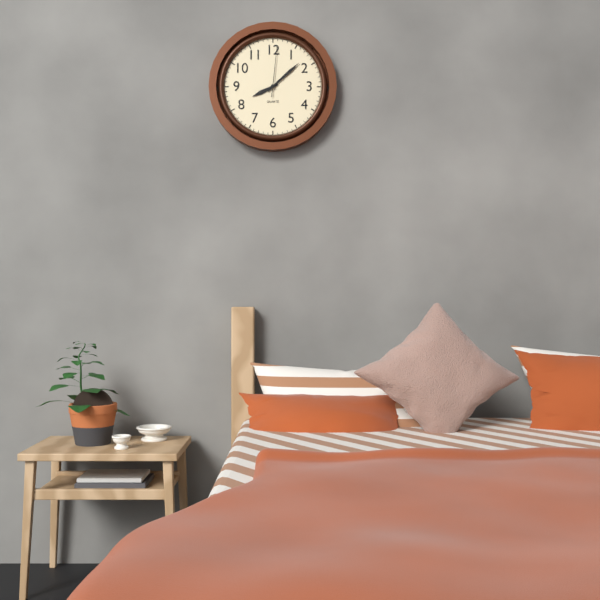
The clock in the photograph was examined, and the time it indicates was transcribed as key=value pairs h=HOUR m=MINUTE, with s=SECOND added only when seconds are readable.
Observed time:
h=8 m=8 s=1
